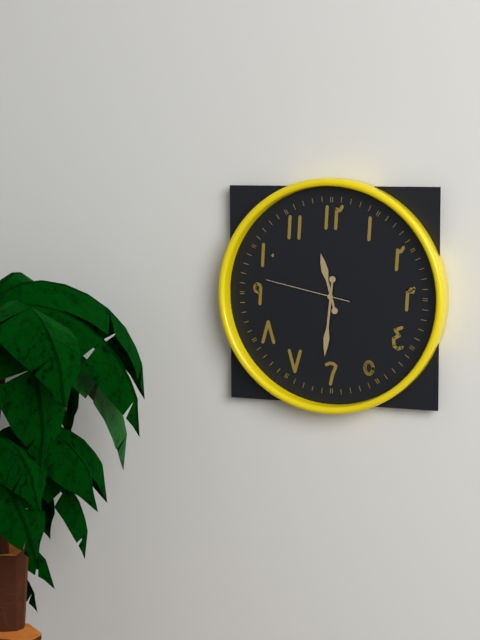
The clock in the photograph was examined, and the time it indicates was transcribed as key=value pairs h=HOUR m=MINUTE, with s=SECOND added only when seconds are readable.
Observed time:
h=11 m=31 s=47
